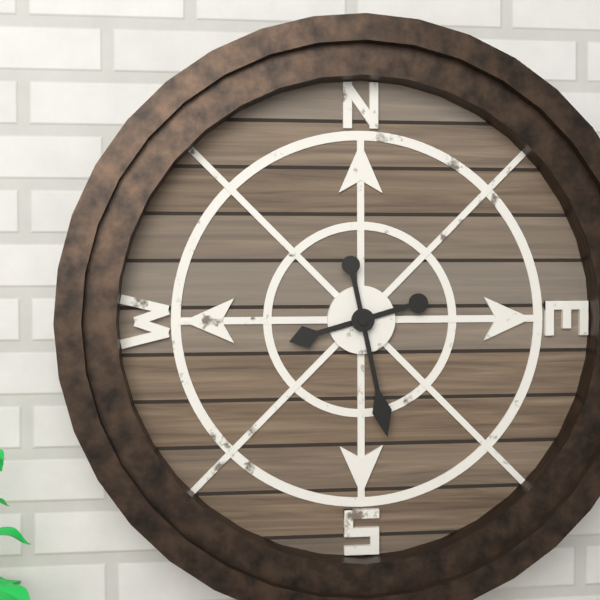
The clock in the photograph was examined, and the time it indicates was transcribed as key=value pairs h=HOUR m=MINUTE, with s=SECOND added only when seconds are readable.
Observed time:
h=8 m=28
